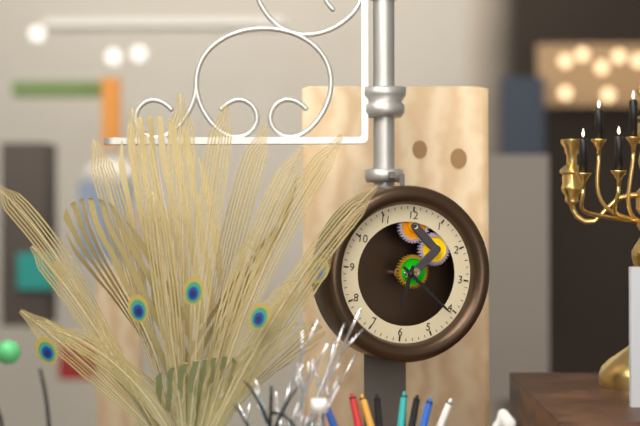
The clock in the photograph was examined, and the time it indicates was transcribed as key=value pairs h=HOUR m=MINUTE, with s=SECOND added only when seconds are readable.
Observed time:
h=6 m=21
